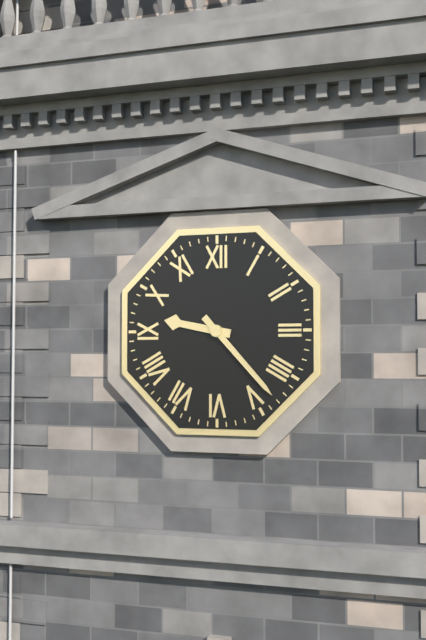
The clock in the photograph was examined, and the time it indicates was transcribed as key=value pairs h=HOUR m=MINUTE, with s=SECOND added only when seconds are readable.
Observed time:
h=9 m=23
